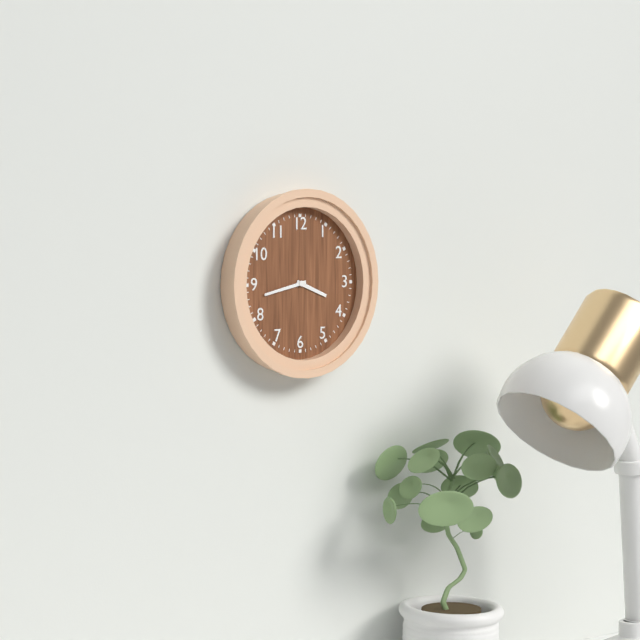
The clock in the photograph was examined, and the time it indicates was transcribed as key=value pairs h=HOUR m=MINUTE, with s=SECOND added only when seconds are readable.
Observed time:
h=3 m=43
